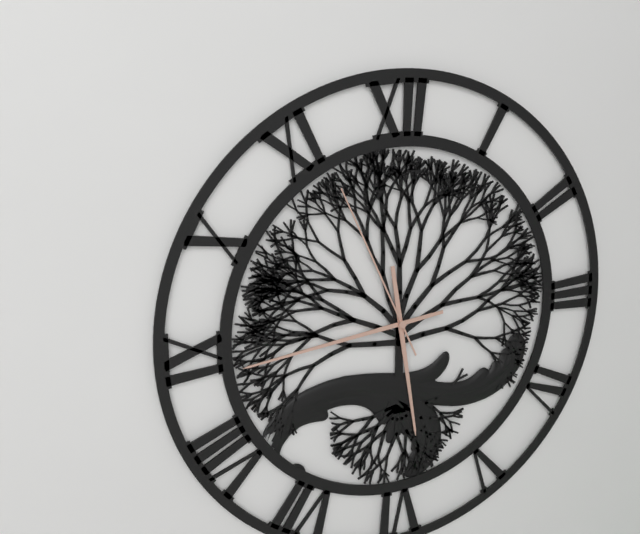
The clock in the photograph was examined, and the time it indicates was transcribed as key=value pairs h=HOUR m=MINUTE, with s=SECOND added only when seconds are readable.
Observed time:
h=5 m=44 s=56
